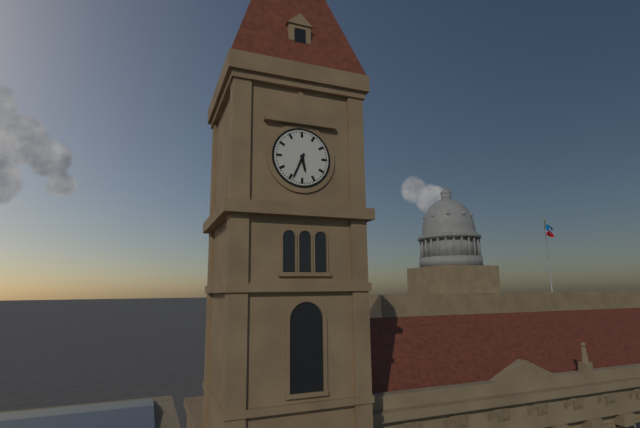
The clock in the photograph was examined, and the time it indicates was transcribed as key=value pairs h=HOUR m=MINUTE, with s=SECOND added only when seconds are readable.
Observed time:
h=5 m=34
